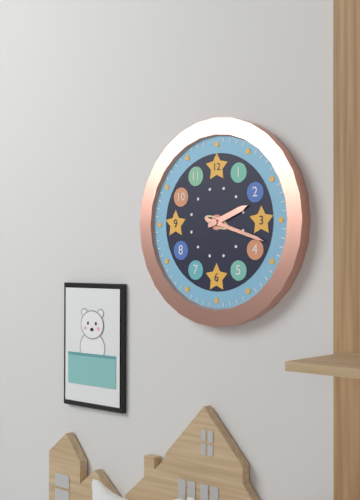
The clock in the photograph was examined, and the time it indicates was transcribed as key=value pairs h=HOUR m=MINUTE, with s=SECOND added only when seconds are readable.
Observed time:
h=2 m=18
